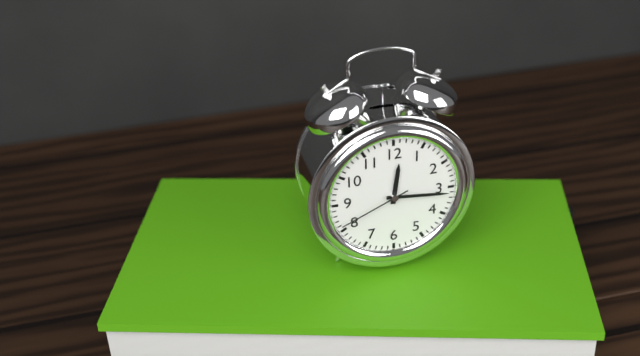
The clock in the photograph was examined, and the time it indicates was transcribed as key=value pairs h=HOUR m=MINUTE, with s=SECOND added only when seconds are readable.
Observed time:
h=12 m=16 s=41
